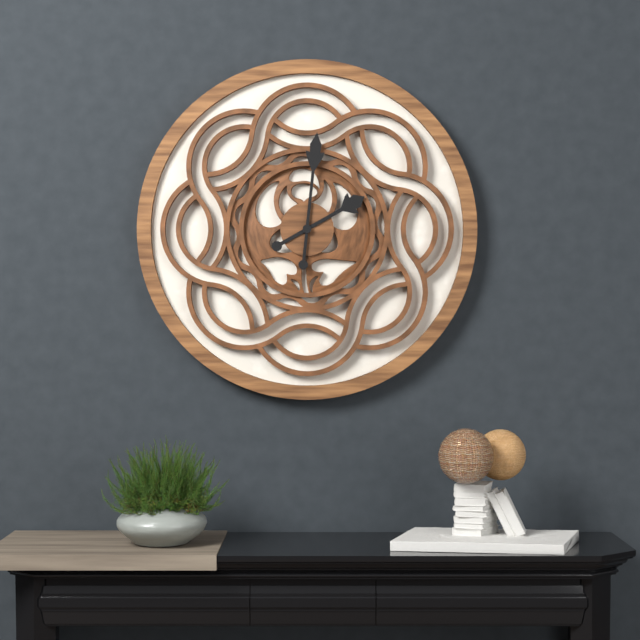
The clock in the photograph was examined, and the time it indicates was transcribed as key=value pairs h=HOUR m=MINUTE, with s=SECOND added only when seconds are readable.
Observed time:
h=2 m=1
